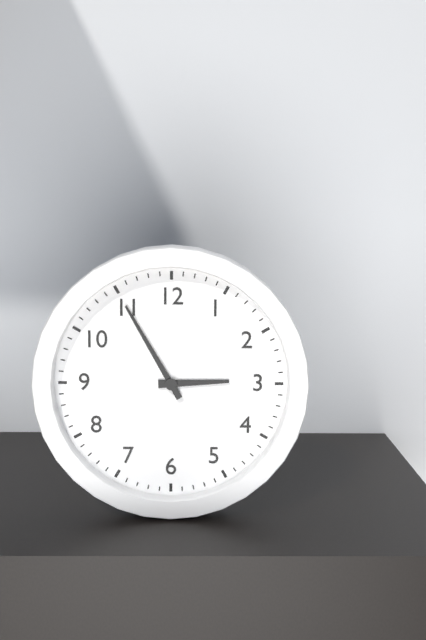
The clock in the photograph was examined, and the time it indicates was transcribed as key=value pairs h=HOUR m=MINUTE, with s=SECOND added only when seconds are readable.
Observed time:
h=2 m=55
